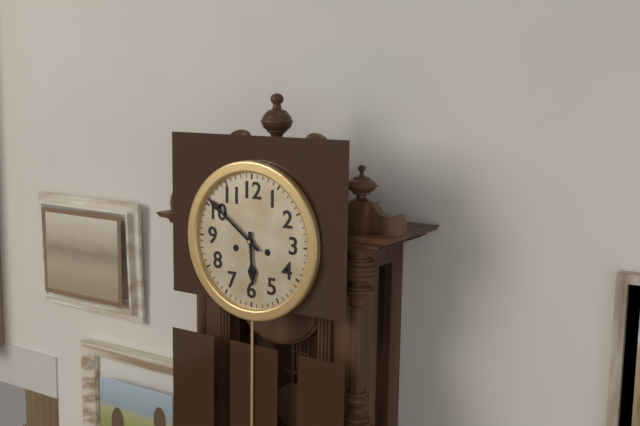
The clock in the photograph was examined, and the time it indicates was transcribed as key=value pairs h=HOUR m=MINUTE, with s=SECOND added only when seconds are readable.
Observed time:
h=5 m=51
